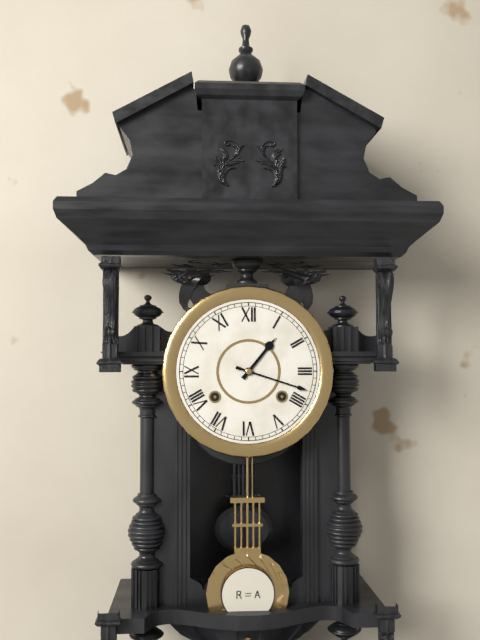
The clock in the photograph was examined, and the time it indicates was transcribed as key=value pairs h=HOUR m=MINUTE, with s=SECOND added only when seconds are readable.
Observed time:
h=1 m=18
